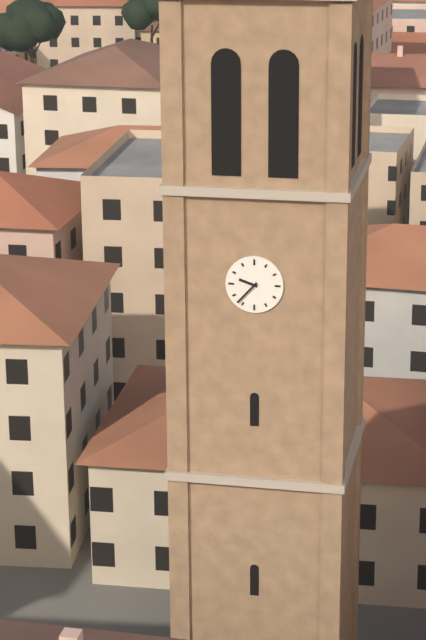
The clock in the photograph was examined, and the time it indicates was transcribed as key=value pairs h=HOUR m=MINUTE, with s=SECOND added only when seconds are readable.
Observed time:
h=9 m=37
